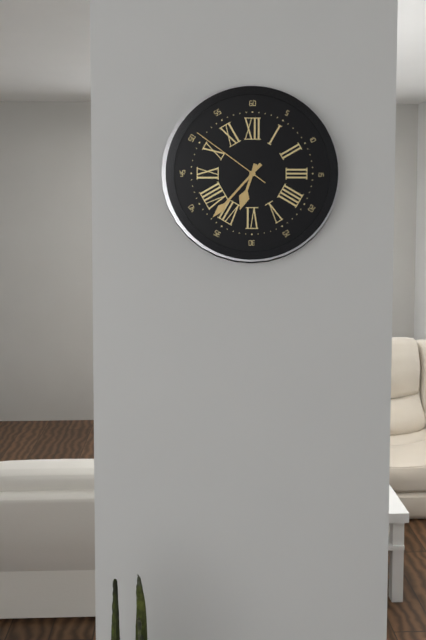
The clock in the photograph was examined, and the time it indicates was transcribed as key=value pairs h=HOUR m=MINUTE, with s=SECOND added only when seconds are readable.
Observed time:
h=6 m=37 s=51
